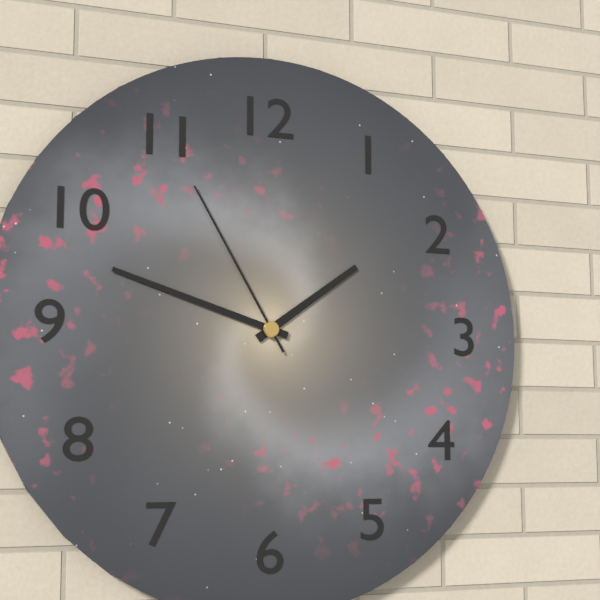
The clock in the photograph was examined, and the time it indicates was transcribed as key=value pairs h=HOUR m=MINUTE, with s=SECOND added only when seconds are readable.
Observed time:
h=1 m=48 s=55
